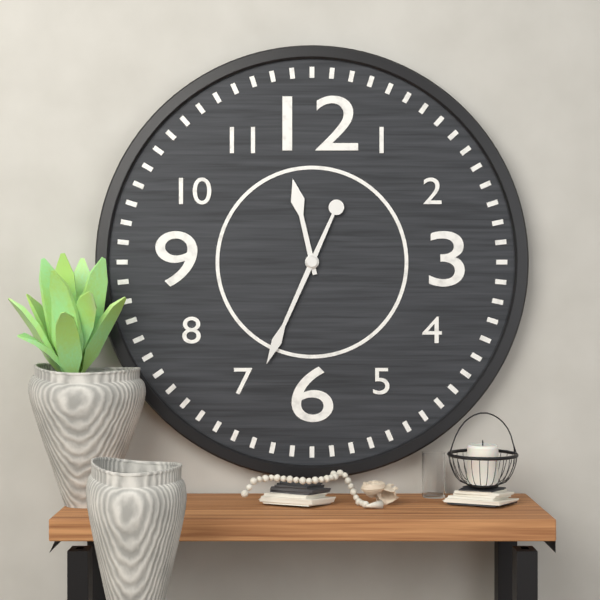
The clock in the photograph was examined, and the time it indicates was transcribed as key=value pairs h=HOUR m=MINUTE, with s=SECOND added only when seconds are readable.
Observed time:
h=11 m=34
